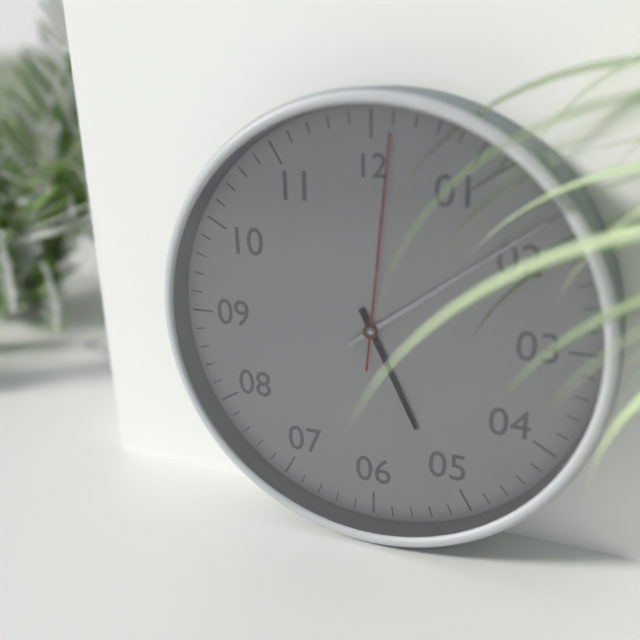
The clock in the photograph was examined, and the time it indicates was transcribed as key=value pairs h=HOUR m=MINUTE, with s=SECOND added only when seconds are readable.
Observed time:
h=5 m=9 s=1
